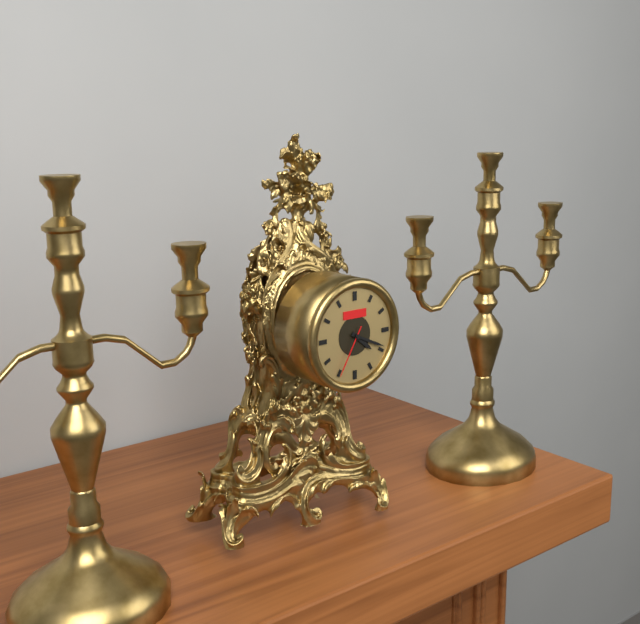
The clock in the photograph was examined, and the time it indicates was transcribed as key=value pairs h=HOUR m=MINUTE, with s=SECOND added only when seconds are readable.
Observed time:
h=4 m=19 s=35
